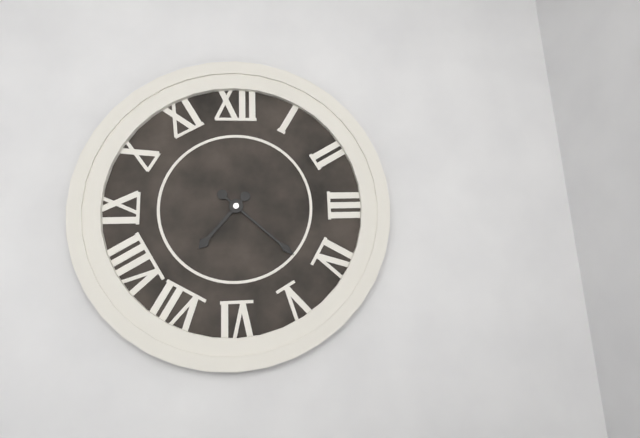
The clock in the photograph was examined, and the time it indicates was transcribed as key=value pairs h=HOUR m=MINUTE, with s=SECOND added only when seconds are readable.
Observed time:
h=7 m=22
